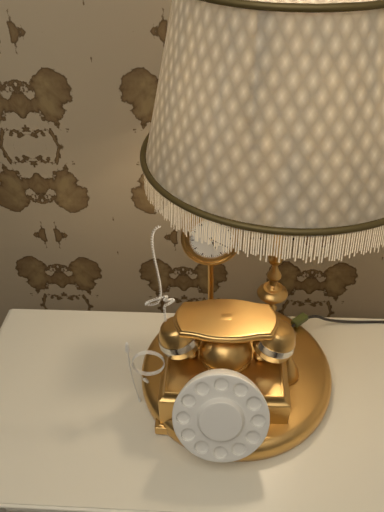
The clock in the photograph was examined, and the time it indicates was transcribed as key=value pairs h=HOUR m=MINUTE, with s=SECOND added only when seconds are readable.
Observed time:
h=5 m=20
